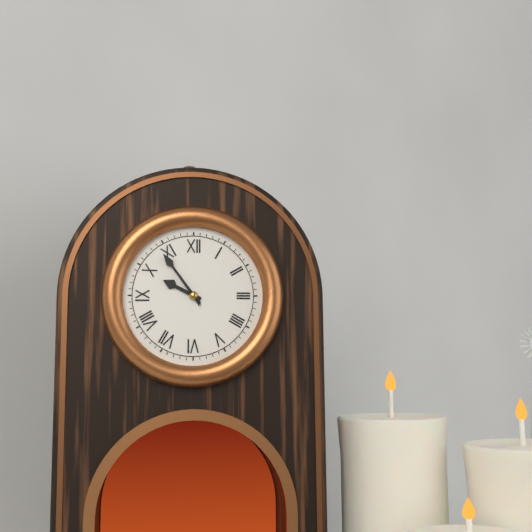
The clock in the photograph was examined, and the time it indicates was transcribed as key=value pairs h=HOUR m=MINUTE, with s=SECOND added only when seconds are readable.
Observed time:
h=9 m=54
